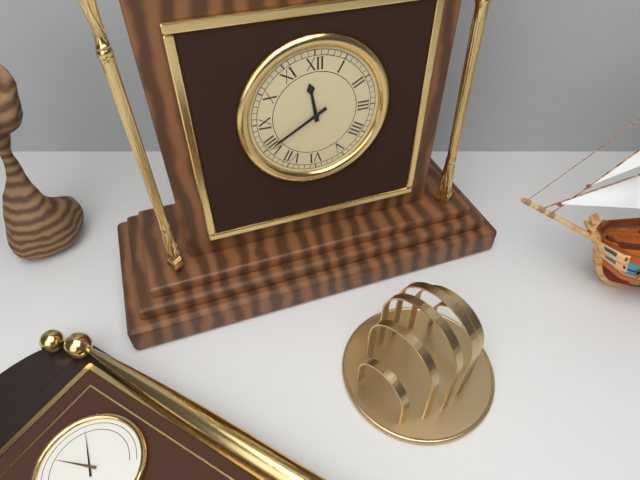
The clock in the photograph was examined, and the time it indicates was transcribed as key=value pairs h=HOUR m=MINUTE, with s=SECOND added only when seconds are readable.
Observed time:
h=11 m=40
